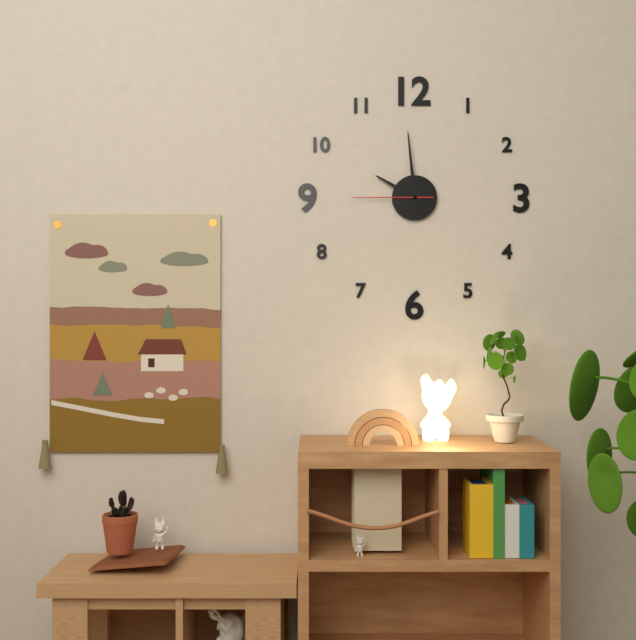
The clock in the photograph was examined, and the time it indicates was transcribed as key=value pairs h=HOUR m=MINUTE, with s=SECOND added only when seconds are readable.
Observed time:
h=9 m=59 s=45
